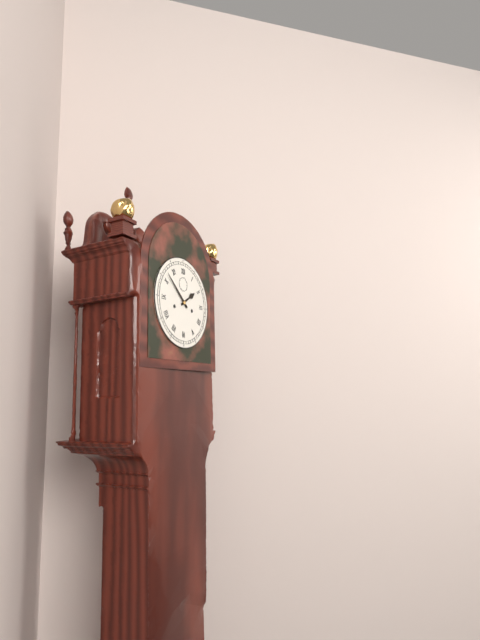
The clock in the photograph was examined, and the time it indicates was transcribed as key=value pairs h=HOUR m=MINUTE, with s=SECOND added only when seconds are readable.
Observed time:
h=1 m=52
